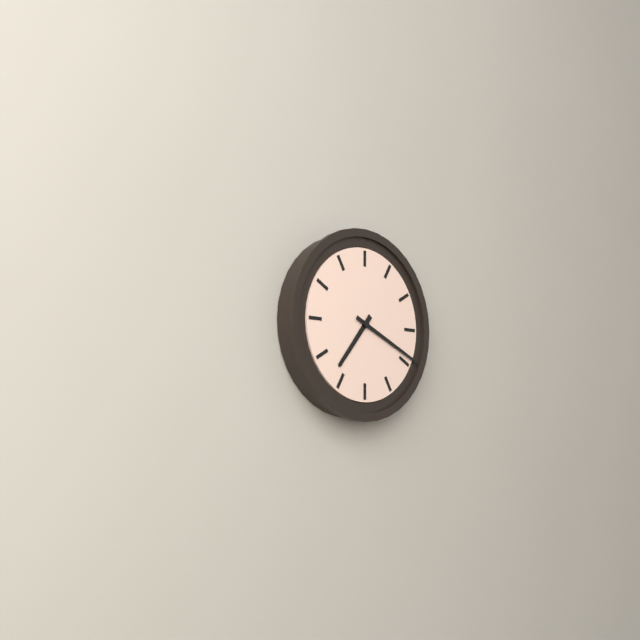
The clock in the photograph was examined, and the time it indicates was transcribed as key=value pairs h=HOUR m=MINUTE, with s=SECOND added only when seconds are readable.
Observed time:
h=7 m=19
